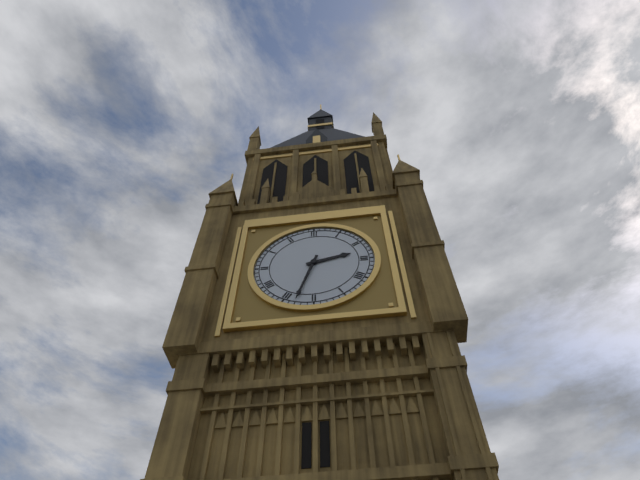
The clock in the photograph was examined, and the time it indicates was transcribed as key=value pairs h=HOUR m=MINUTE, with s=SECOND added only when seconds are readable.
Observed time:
h=2 m=33
